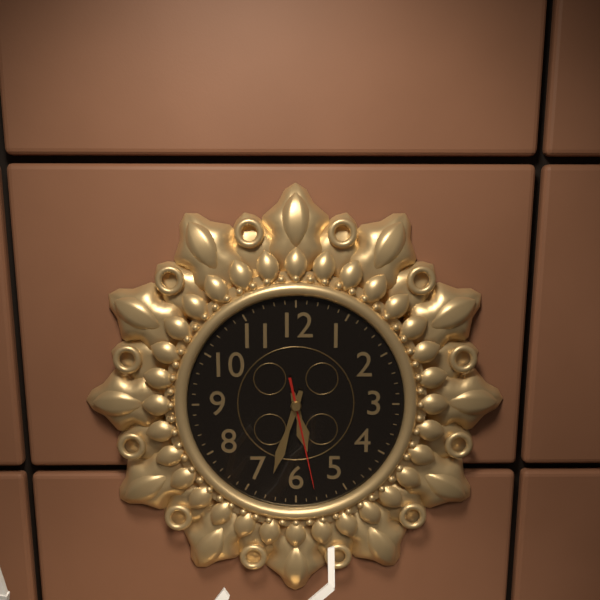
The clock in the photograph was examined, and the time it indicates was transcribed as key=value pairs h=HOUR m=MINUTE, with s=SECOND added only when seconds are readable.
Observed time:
h=5 m=33 s=28
